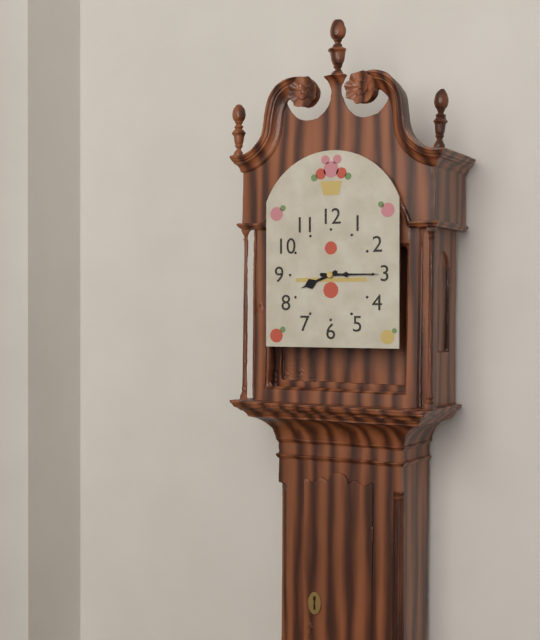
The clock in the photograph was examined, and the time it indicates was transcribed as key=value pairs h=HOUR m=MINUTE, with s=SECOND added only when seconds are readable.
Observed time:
h=8 m=15
